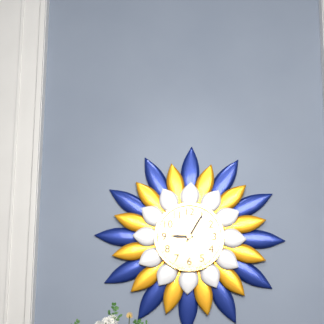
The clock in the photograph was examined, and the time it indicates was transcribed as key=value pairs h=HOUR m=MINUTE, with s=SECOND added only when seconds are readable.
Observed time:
h=9 m=5
